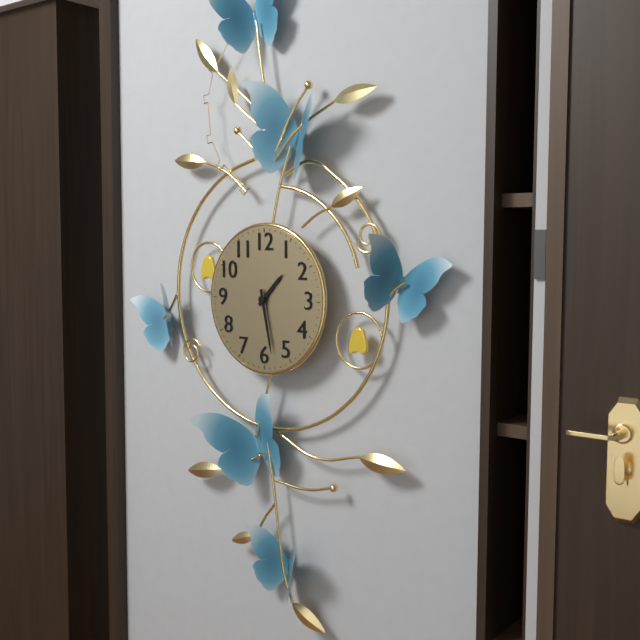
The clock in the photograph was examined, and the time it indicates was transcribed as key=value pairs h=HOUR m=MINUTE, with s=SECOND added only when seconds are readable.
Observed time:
h=1 m=28
